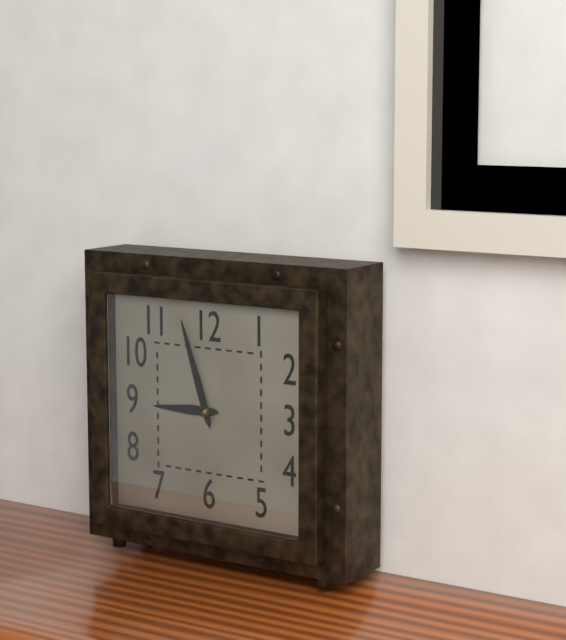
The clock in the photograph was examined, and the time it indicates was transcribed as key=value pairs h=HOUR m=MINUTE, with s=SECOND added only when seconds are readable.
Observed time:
h=8 m=57
